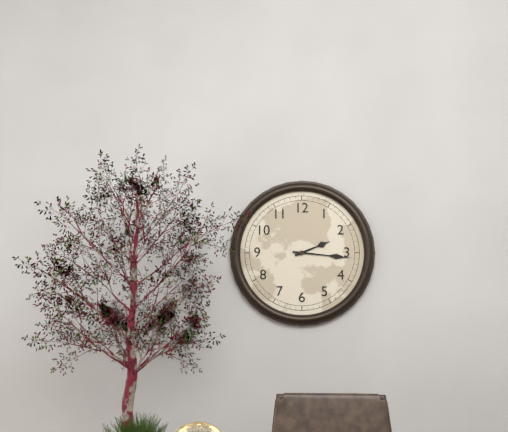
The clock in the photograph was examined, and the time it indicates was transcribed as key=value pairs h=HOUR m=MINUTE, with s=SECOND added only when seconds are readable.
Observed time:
h=2 m=16
